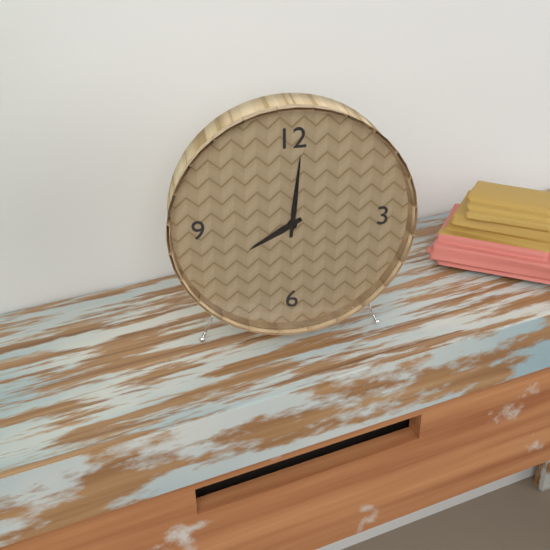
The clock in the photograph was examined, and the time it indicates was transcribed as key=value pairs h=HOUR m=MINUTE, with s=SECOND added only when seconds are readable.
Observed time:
h=8 m=1
